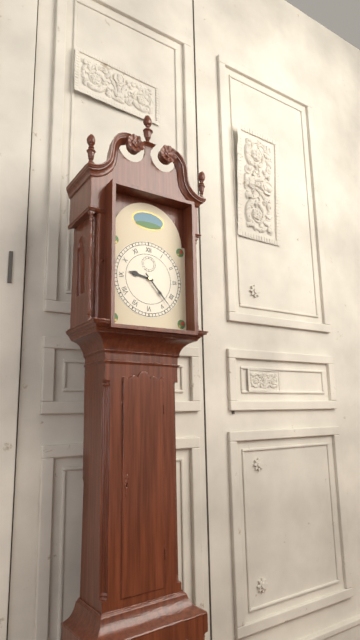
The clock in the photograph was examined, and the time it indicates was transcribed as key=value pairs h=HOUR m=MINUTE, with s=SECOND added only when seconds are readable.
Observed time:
h=9 m=23
